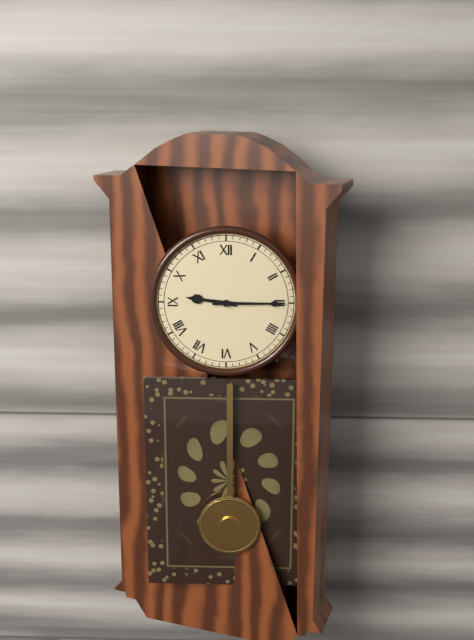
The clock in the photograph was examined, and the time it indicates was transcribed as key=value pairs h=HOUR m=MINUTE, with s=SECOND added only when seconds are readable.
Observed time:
h=9 m=15
